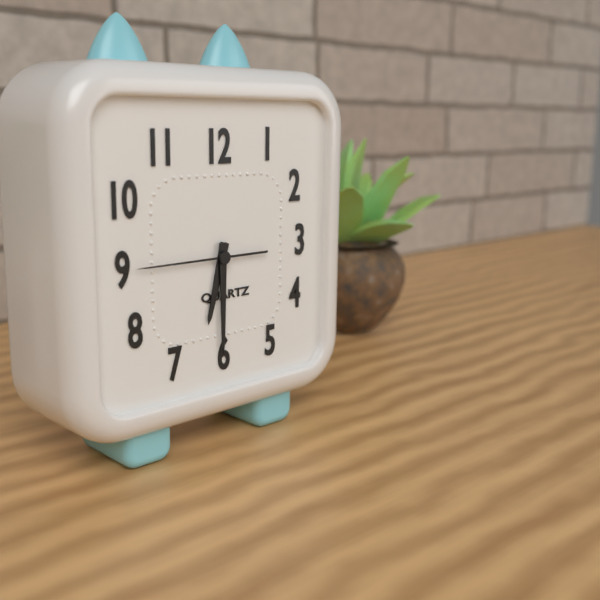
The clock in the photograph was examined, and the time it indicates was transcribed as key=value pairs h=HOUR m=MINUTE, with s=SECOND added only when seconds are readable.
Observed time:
h=6 m=30 s=45
